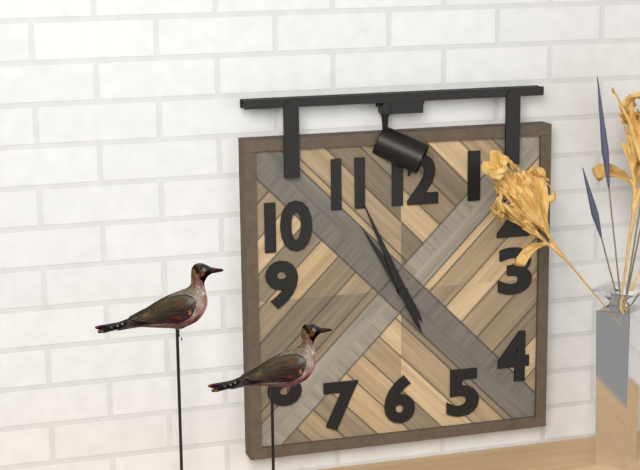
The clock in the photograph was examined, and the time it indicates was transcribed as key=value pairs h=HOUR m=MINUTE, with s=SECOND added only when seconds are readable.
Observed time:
h=10 m=56
